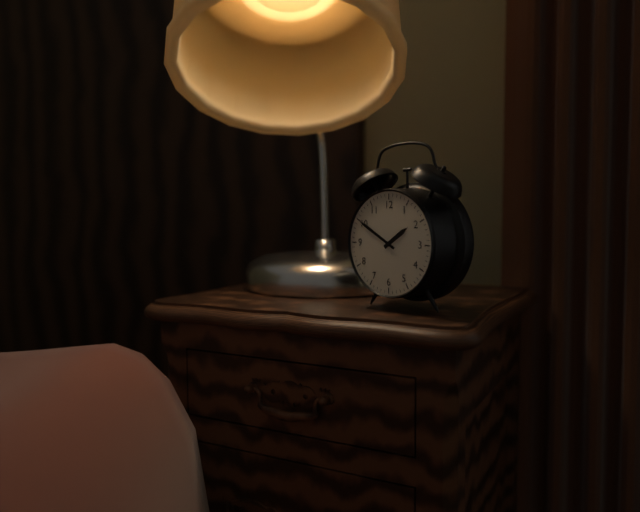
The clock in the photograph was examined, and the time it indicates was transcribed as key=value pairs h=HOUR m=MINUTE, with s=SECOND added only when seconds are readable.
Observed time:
h=1 m=50
